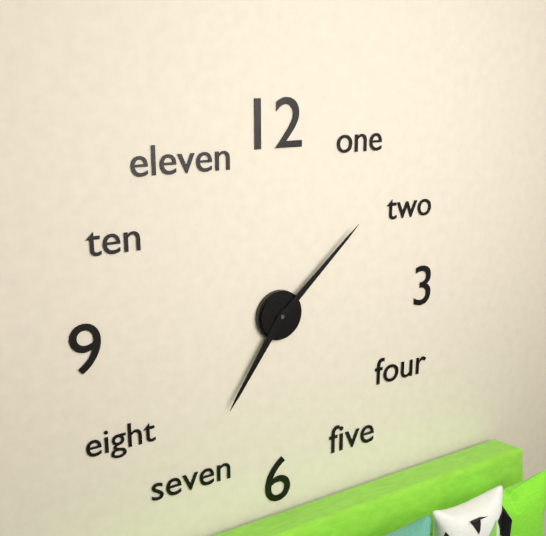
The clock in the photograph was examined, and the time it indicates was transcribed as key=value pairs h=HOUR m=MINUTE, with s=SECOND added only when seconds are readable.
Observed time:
h=7 m=8
